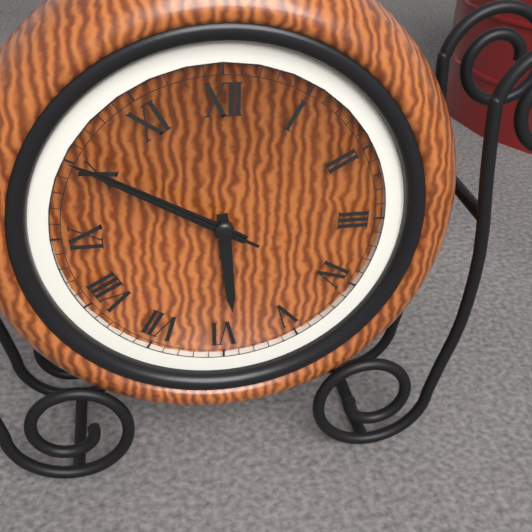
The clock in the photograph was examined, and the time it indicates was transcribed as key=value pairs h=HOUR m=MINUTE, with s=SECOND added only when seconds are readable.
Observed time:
h=5 m=50 s=50
